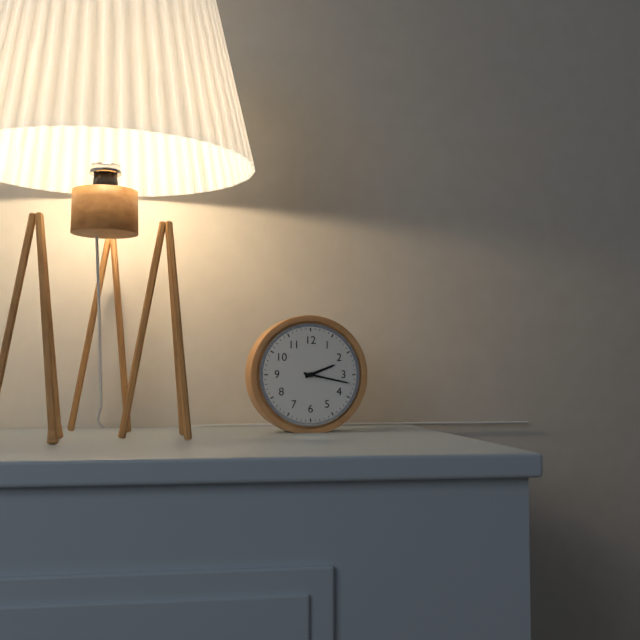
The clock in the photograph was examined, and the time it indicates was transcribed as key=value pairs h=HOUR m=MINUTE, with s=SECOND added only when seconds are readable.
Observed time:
h=2 m=17
